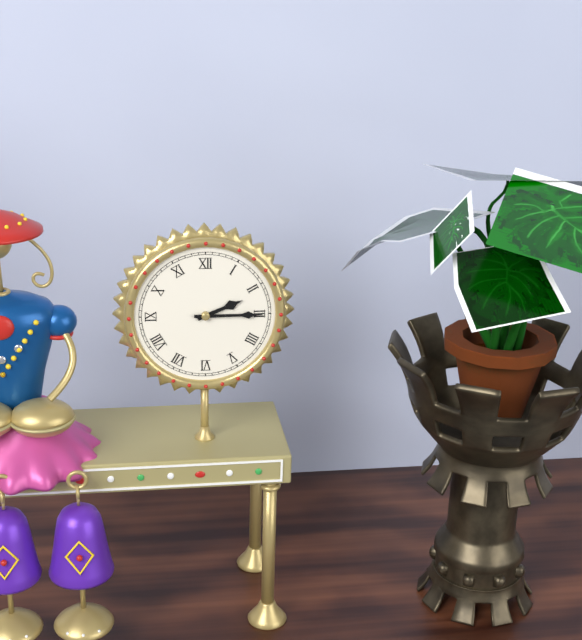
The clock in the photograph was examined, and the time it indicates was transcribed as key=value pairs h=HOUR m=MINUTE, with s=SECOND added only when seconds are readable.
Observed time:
h=2 m=15
